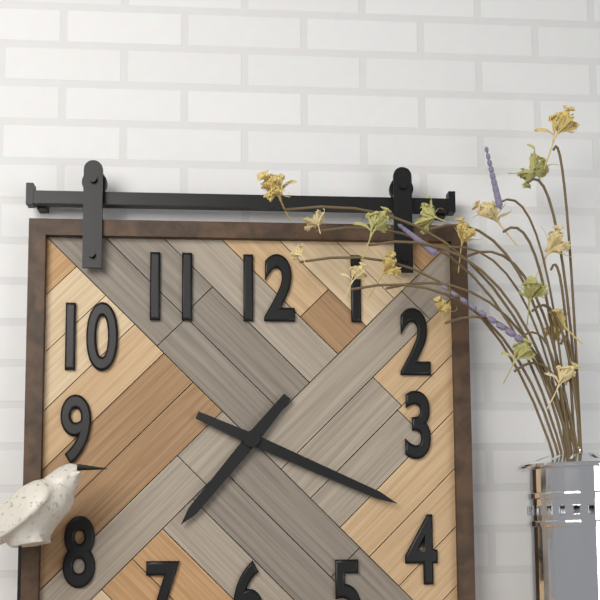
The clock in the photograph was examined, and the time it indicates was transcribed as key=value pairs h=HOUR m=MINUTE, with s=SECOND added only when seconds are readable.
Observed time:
h=7 m=19
